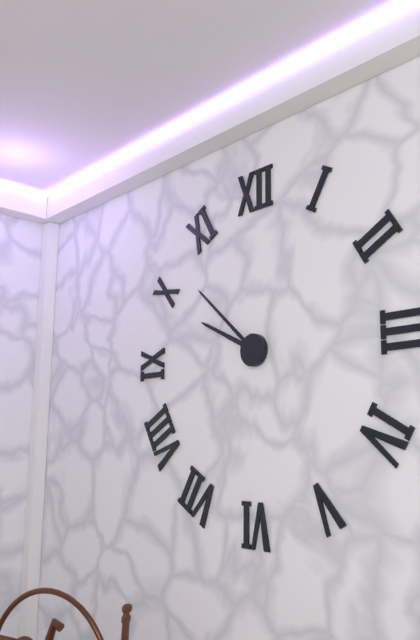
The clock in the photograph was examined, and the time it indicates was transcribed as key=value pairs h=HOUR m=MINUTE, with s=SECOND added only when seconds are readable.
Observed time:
h=9 m=52
